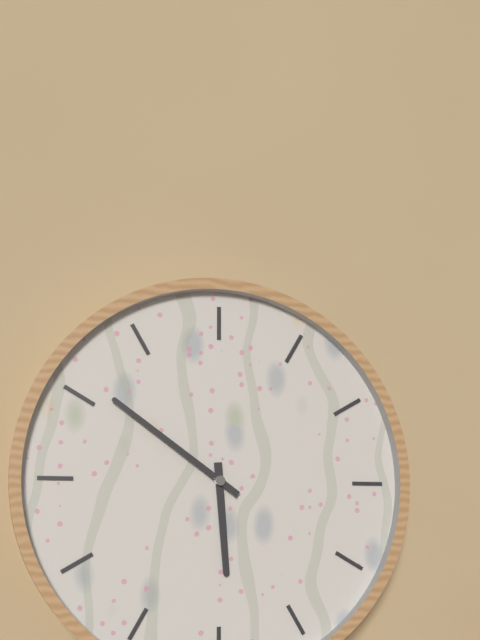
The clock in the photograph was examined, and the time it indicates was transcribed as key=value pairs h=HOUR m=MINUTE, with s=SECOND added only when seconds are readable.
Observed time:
h=5 m=51
